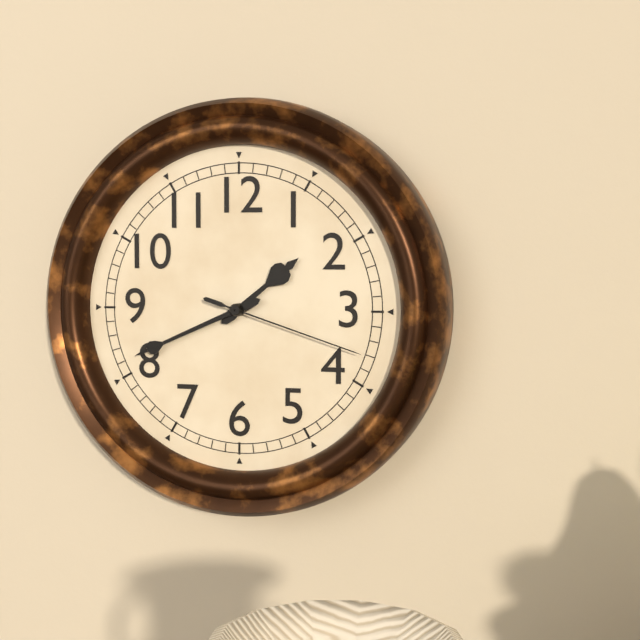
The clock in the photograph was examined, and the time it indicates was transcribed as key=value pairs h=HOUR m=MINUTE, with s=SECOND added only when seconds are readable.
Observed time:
h=1 m=41 s=18
